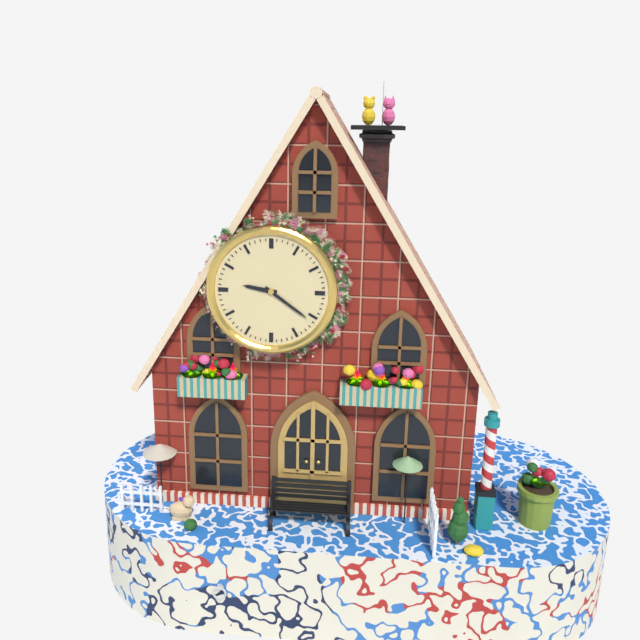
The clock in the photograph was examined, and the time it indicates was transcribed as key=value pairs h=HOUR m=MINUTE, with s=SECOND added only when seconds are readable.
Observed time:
h=9 m=21
